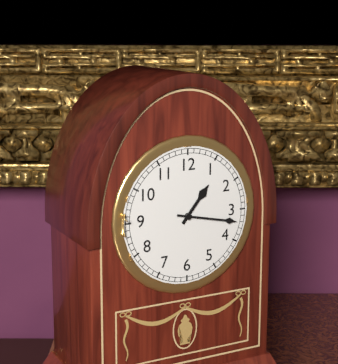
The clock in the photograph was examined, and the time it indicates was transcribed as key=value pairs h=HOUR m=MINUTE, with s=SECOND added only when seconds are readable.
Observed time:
h=1 m=17
